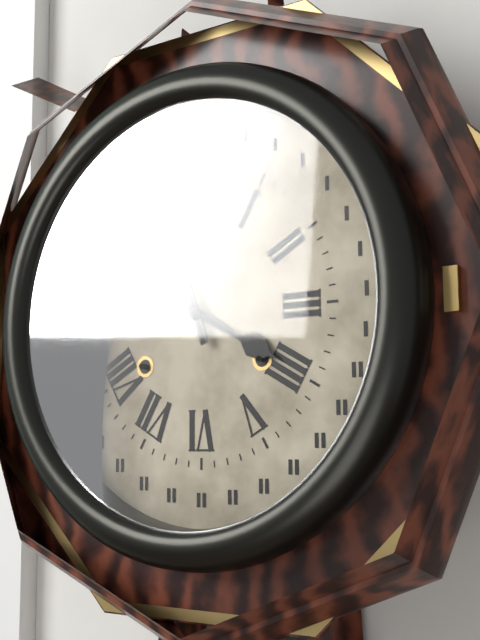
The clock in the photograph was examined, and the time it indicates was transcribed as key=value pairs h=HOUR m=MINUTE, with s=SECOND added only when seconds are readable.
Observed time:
h=3 m=57
